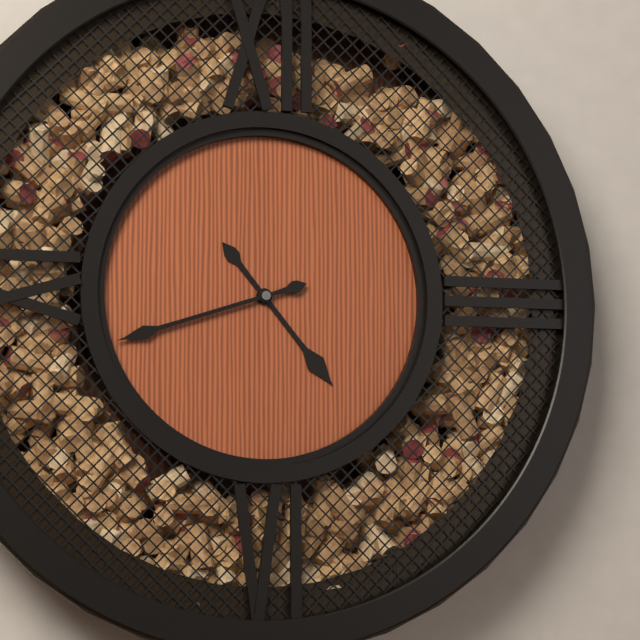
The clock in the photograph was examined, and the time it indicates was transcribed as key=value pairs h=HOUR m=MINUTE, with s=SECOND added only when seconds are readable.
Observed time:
h=4 m=42
